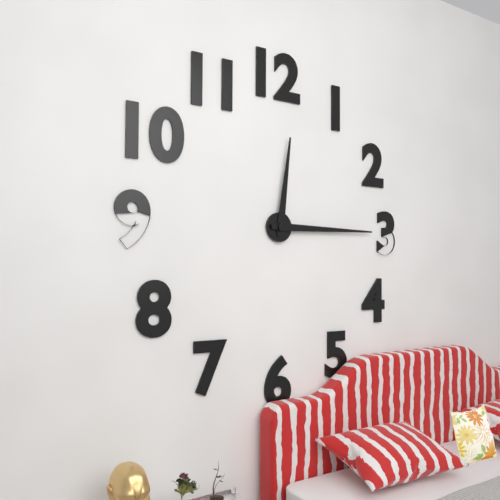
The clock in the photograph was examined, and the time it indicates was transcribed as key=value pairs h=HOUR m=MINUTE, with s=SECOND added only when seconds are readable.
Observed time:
h=12 m=15
